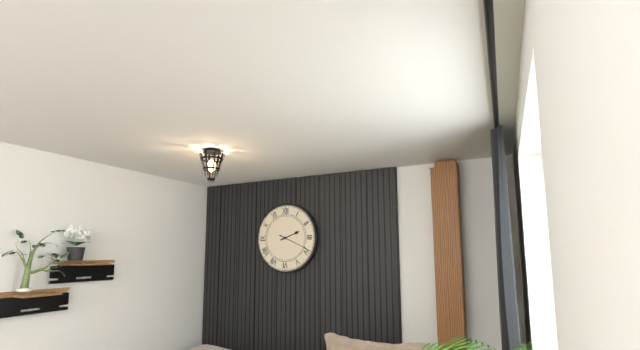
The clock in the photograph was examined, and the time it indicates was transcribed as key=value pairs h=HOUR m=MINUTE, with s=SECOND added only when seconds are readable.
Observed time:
h=2 m=19
